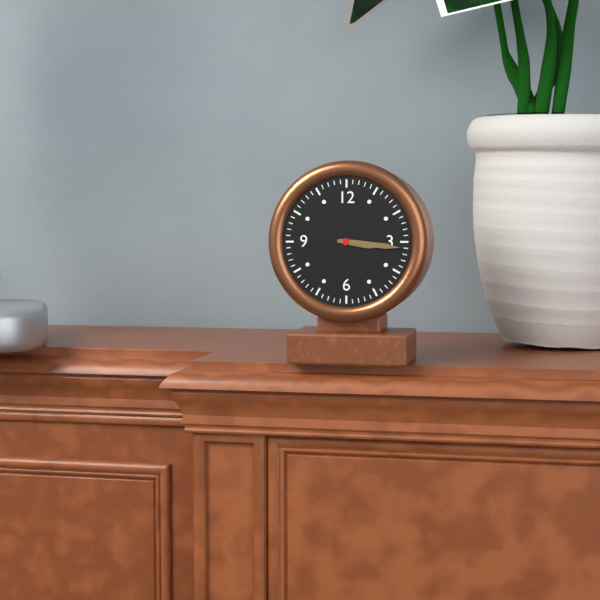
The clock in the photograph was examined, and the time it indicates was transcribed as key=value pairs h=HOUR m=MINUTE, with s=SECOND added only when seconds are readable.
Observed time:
h=3 m=16
